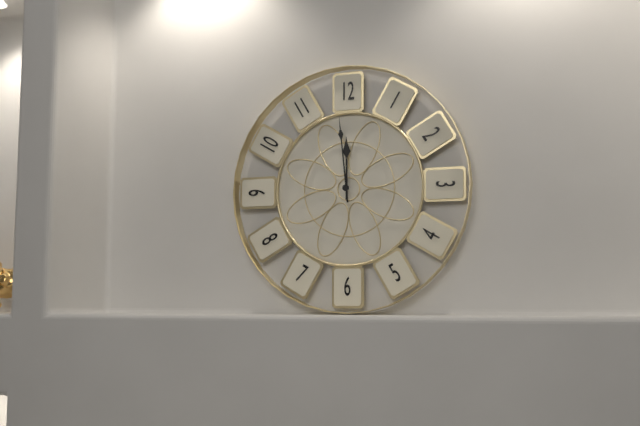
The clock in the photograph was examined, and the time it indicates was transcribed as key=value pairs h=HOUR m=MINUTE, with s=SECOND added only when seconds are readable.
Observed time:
h=11 m=59
